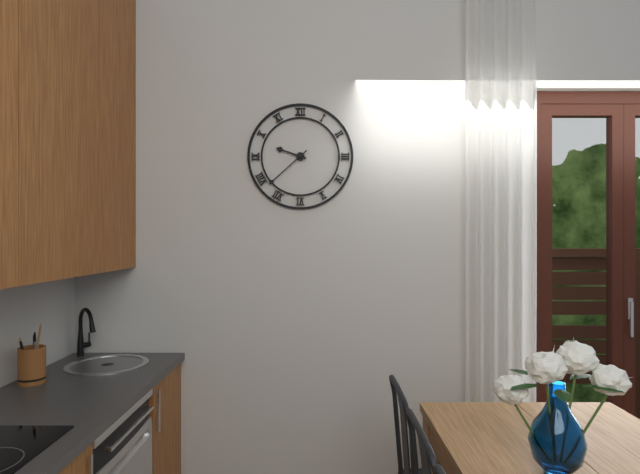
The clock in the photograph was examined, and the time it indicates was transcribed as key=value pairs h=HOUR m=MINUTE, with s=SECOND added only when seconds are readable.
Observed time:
h=9 m=38
